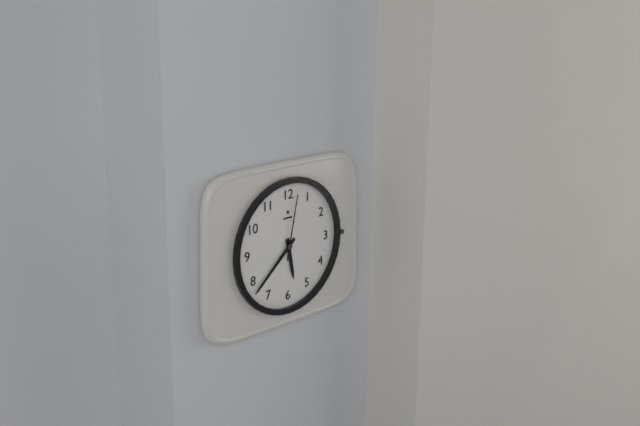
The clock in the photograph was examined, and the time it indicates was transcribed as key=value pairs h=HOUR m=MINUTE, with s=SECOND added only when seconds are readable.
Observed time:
h=5 m=38 s=2
